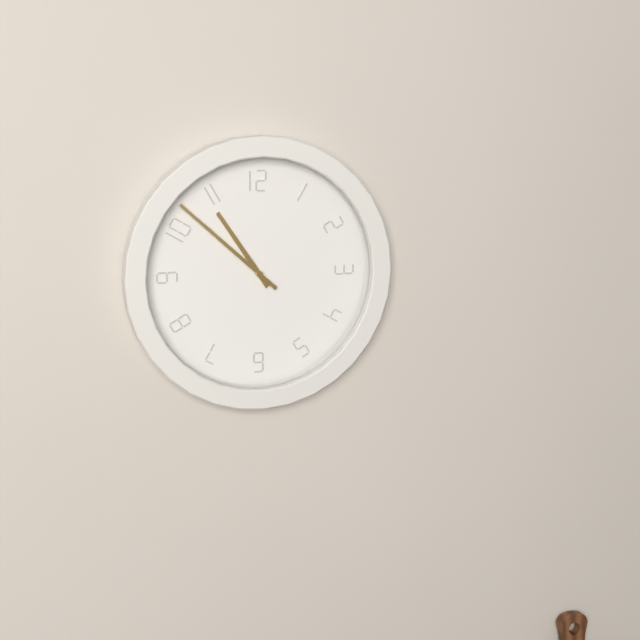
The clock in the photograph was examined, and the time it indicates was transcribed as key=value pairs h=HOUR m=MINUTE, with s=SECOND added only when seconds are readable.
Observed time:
h=10 m=52
